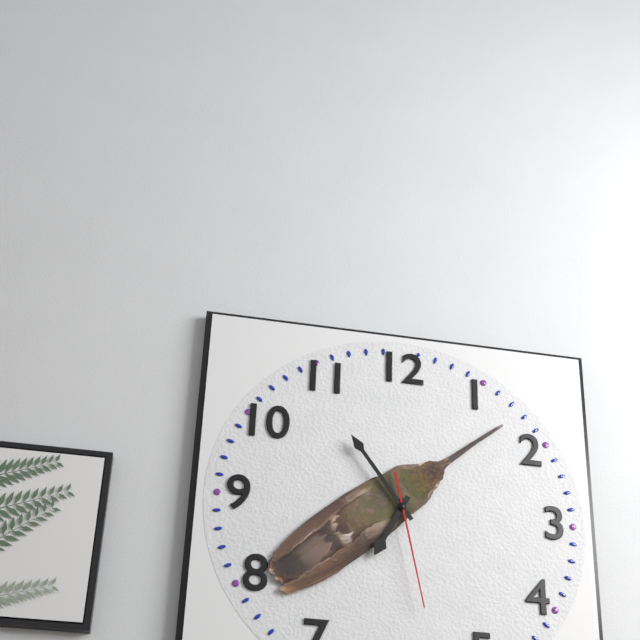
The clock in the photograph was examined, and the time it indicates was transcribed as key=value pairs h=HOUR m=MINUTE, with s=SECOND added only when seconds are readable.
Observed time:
h=6 m=54 s=28
